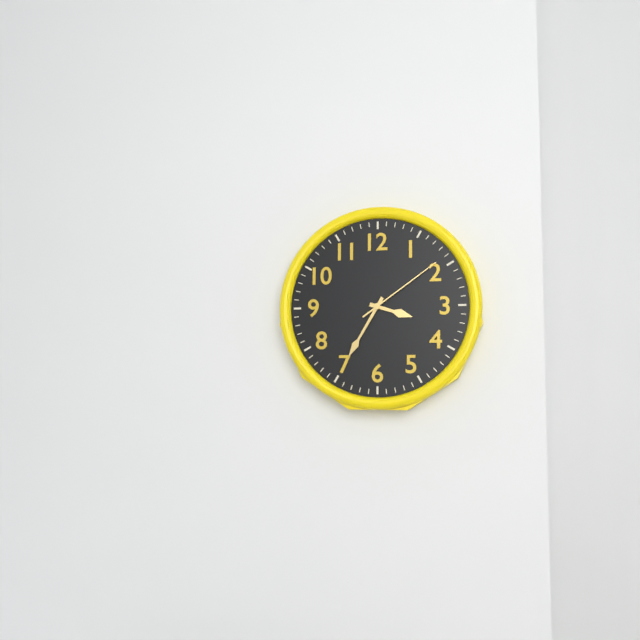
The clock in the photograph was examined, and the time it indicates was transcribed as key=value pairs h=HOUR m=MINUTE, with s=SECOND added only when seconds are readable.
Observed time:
h=3 m=35 s=9
